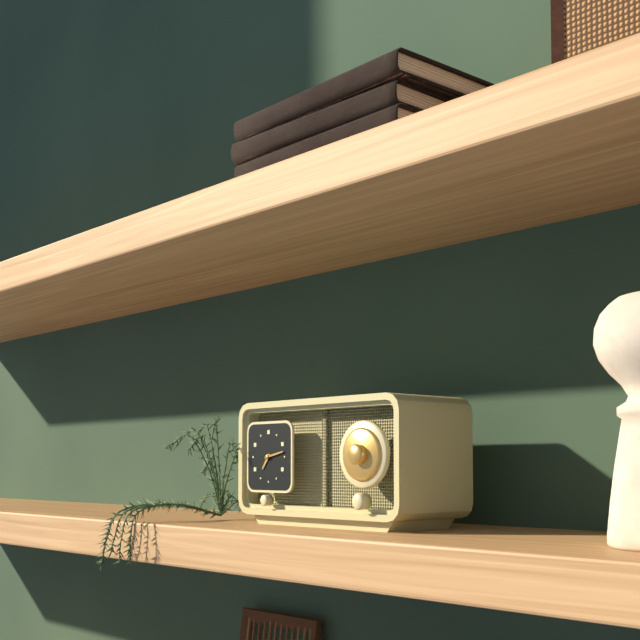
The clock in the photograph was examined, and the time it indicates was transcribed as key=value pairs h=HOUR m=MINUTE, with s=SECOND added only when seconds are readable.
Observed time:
h=7 m=13
